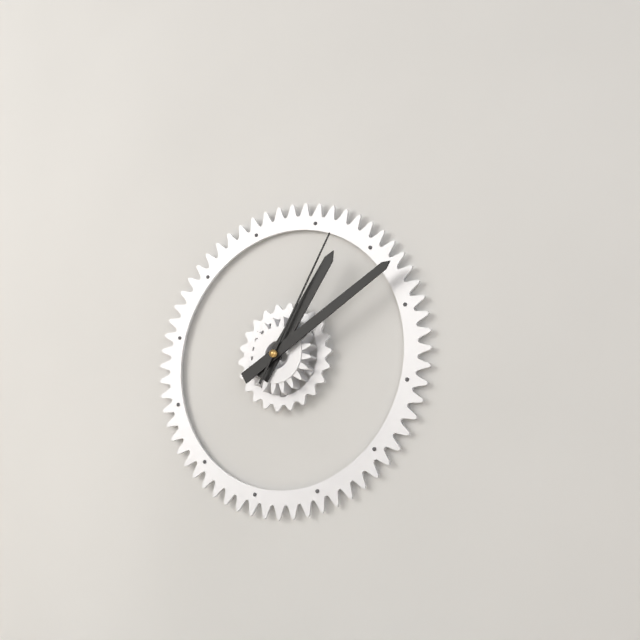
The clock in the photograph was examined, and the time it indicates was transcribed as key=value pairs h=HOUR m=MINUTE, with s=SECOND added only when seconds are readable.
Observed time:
h=1 m=10 s=5
